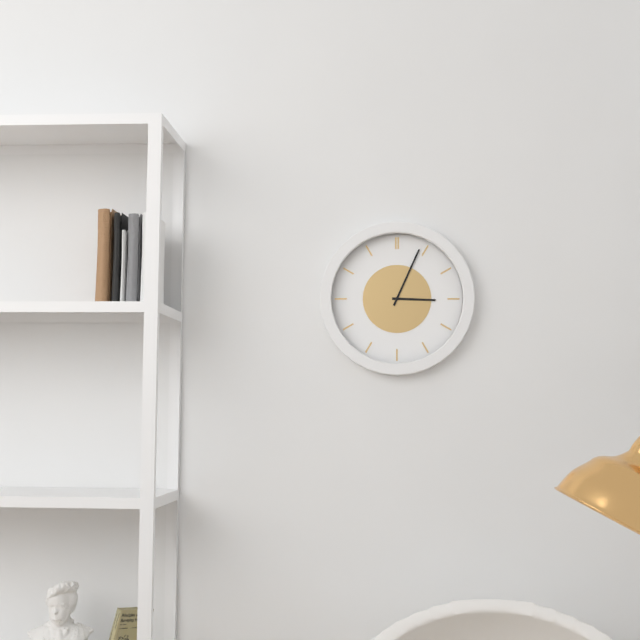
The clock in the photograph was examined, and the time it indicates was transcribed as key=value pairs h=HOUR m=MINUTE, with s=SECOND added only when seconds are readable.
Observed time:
h=3 m=4
